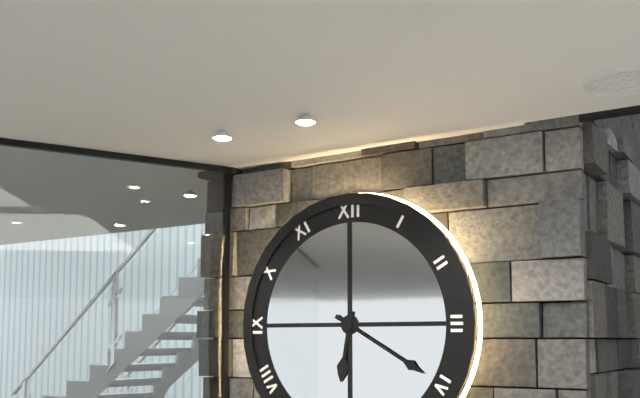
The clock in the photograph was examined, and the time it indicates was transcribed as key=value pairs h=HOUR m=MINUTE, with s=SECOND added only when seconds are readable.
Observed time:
h=6 m=20
